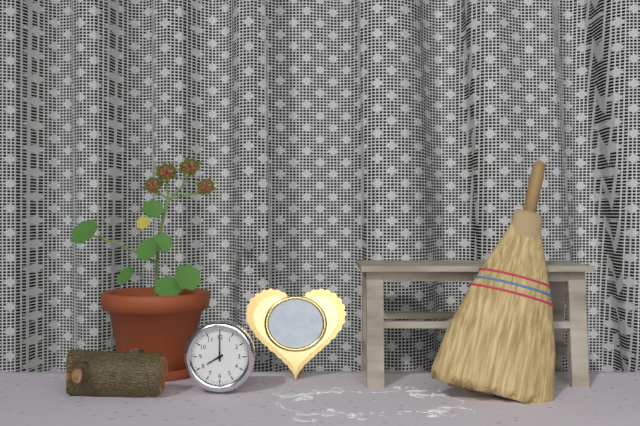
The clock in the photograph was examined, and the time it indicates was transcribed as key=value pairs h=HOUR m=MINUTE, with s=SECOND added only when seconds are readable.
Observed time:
h=8 m=0
